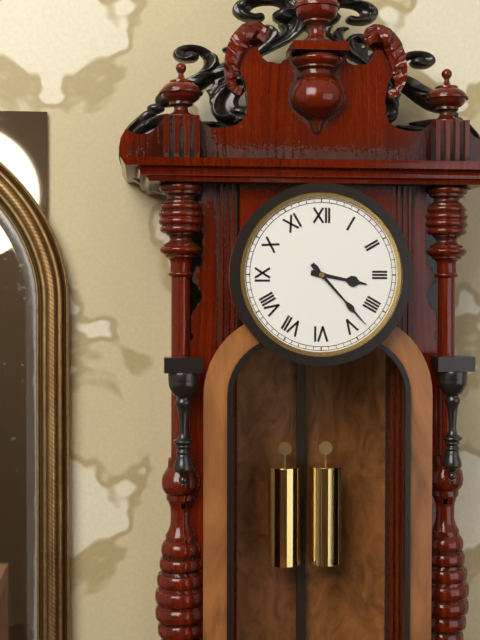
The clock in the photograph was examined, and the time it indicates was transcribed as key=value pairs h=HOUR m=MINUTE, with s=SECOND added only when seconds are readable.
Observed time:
h=3 m=23
